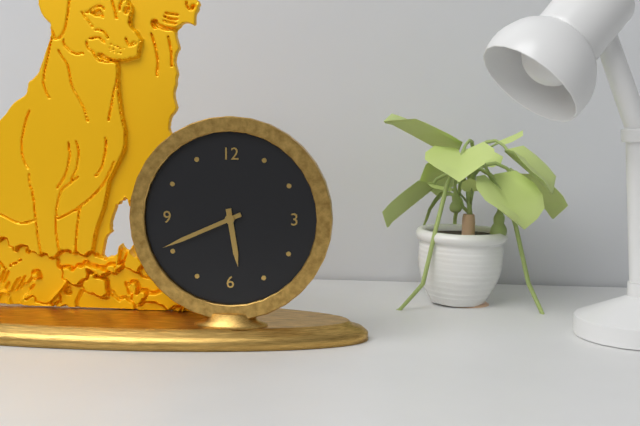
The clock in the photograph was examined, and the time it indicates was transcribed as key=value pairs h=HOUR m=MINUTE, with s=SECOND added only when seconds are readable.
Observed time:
h=5 m=41
